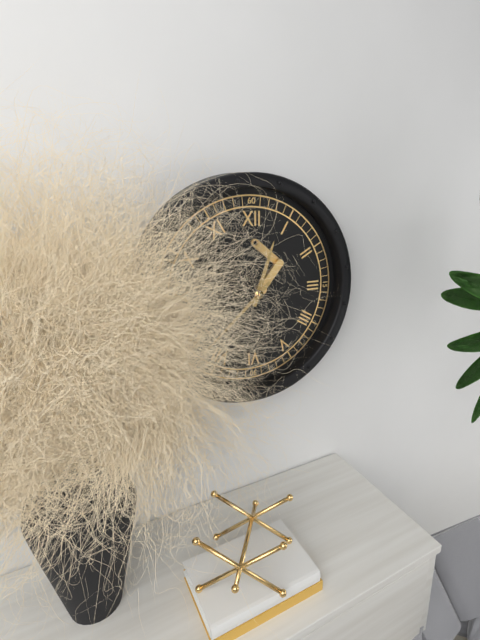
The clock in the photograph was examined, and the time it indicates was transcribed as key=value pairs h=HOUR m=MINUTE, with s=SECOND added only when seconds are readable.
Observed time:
h=12 m=38
